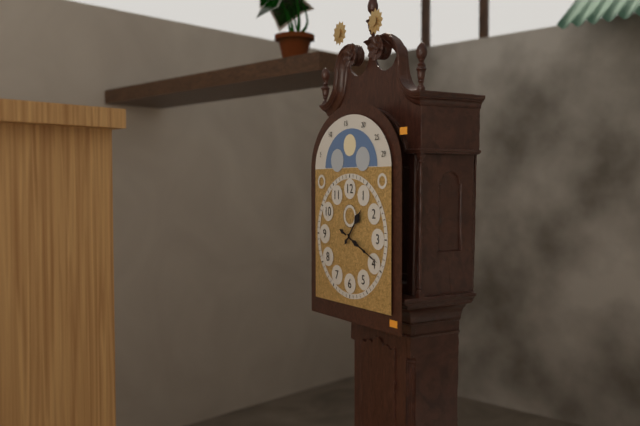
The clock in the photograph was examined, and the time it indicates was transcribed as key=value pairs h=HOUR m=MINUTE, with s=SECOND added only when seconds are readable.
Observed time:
h=1 m=19
